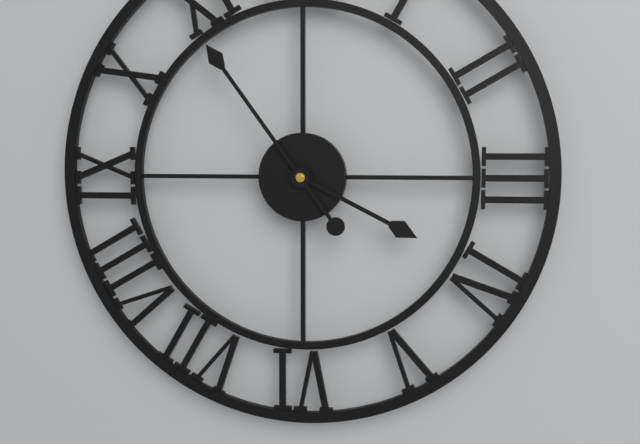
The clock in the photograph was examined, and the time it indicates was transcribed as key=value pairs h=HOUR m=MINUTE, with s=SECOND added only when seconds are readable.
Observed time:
h=3 m=54
